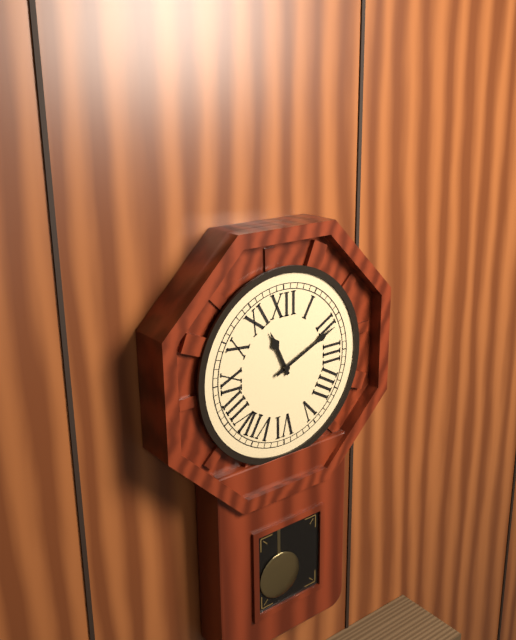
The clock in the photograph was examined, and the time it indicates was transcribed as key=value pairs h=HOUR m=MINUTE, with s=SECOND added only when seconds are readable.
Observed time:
h=11 m=11
